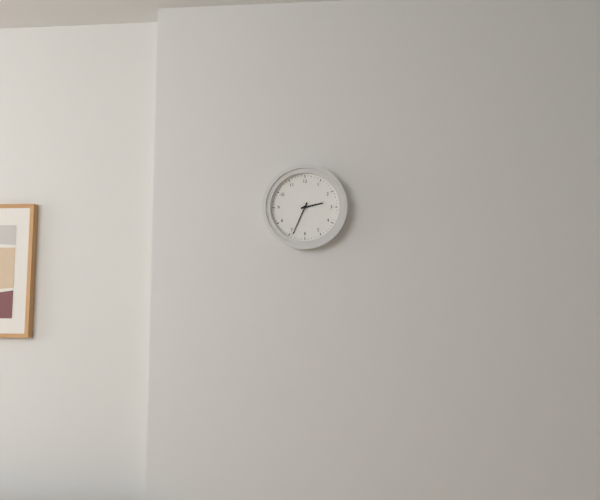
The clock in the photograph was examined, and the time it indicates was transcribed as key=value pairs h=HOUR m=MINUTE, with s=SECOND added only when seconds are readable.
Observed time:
h=2 m=34
